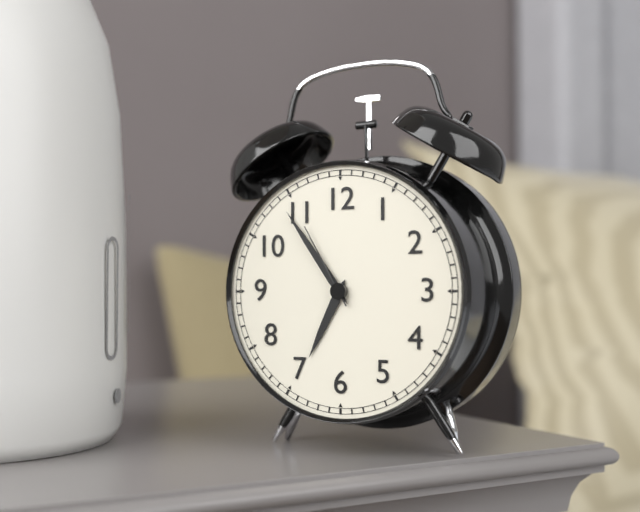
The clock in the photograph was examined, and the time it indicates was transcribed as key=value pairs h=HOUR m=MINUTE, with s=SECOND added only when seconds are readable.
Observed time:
h=6 m=54 s=55
